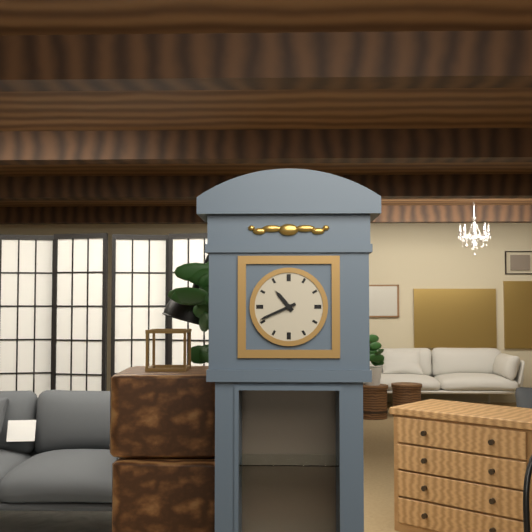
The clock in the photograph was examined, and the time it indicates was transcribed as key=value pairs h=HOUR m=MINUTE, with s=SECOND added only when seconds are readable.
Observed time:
h=10 m=41
